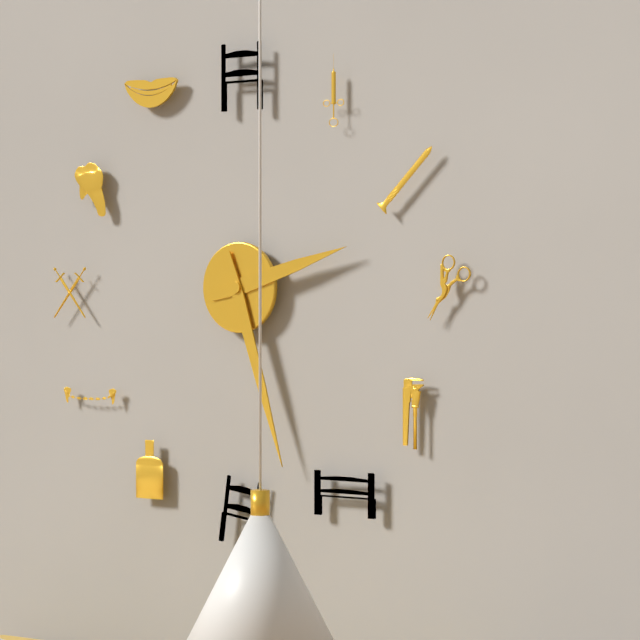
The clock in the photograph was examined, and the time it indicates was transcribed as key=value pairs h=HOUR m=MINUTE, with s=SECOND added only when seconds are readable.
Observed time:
h=2 m=27
